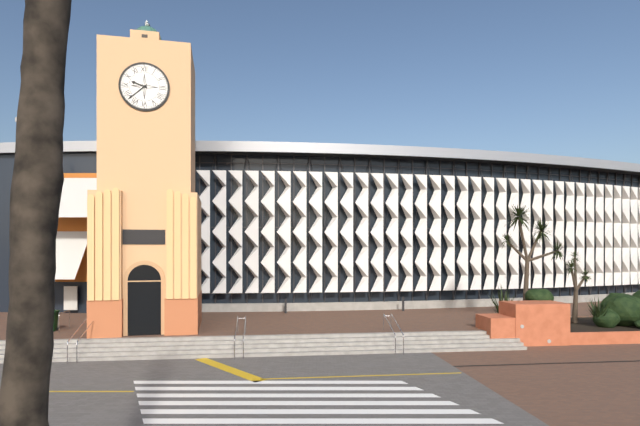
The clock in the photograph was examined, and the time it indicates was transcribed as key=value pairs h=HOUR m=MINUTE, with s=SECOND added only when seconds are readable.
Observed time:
h=9 m=38
